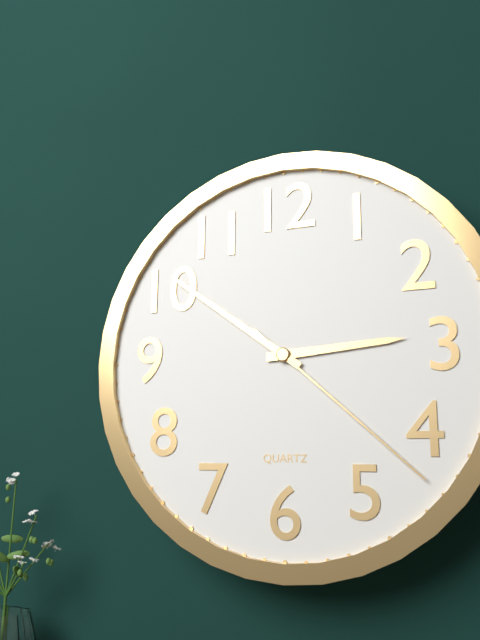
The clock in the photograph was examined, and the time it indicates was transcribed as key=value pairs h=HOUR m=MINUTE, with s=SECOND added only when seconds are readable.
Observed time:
h=2 m=51 s=22
